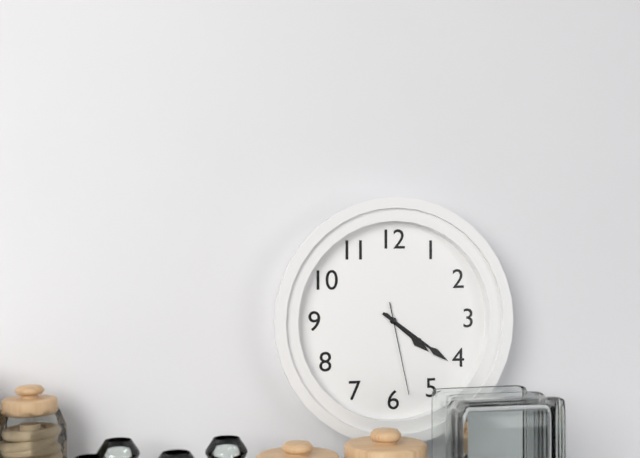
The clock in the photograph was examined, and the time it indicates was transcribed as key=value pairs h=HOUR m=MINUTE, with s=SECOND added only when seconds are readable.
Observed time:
h=4 m=21 s=28
